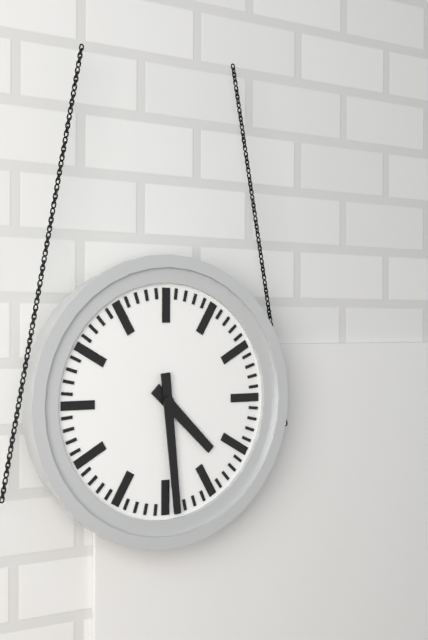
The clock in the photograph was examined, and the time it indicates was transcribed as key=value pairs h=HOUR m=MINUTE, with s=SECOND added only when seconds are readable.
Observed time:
h=4 m=29
